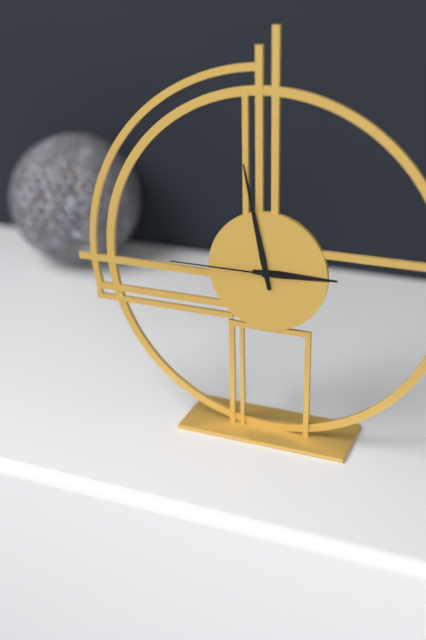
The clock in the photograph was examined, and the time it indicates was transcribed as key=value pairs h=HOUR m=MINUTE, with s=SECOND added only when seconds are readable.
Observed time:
h=2 m=58 s=45
